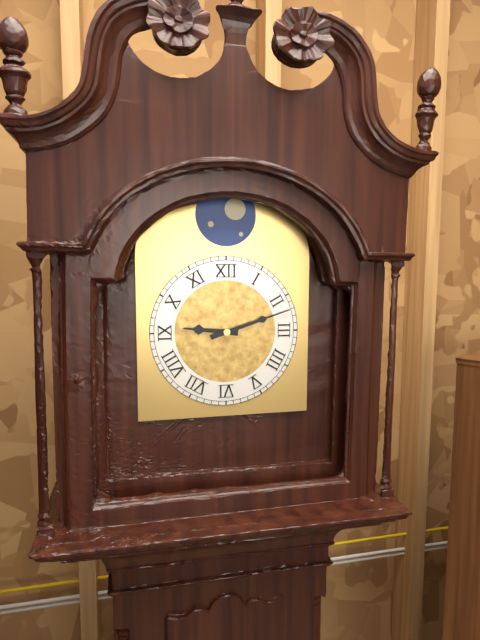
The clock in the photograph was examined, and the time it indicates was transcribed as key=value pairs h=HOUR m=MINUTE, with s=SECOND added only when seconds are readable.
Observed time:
h=9 m=12
